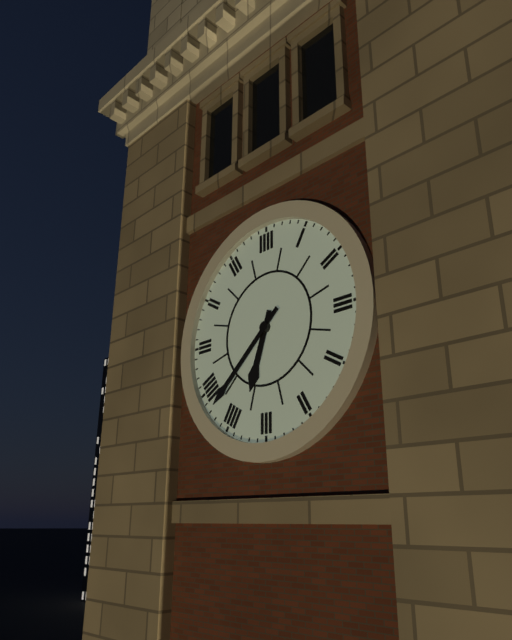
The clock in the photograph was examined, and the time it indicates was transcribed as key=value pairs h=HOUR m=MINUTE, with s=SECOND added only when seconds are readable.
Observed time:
h=6 m=38
